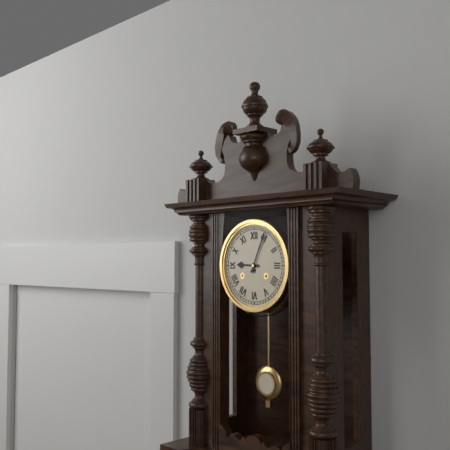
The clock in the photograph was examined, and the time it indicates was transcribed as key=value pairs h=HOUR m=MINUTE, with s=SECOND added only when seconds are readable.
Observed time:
h=9 m=4
